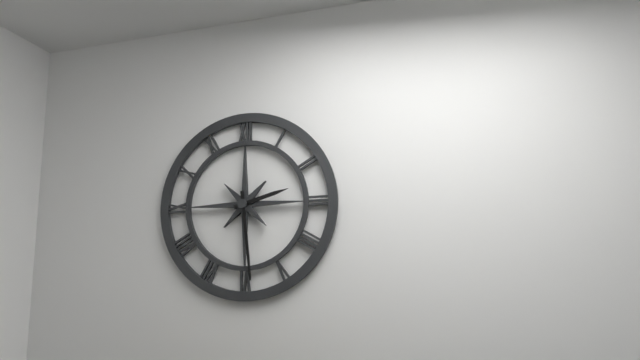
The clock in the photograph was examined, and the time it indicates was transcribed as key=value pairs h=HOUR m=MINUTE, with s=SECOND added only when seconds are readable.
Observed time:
h=2 m=29
